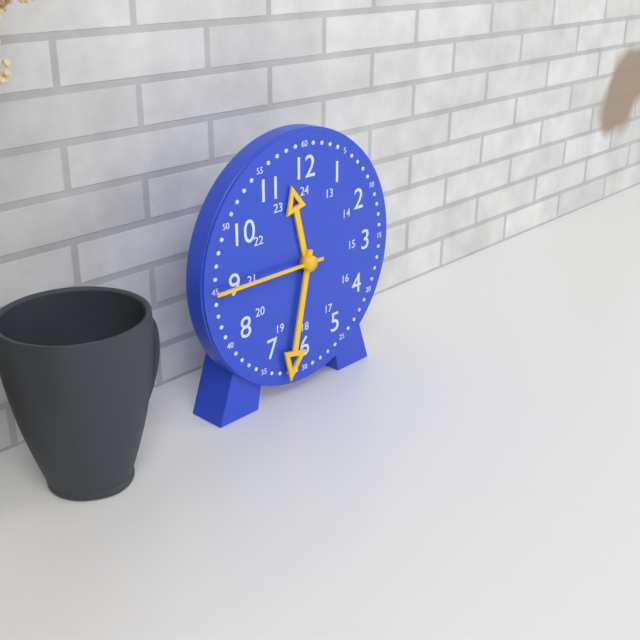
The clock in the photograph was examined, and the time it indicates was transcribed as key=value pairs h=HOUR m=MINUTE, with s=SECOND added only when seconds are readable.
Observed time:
h=11 m=32 s=45
